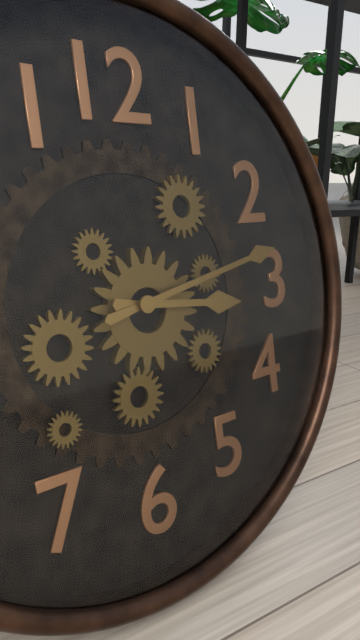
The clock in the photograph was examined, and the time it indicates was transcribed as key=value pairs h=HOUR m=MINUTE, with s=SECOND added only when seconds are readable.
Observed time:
h=3 m=13
